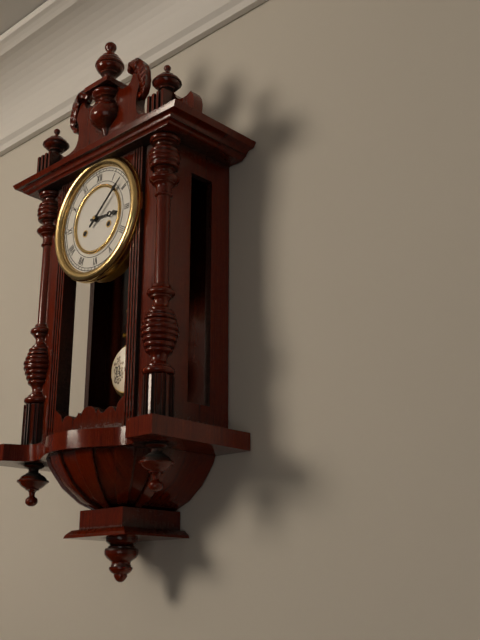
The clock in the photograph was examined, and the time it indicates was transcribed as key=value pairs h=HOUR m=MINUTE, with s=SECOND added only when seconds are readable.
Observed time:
h=3 m=8
